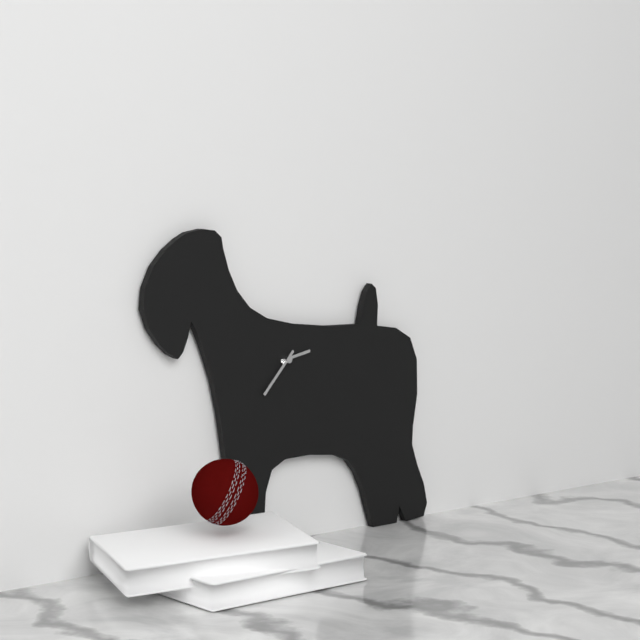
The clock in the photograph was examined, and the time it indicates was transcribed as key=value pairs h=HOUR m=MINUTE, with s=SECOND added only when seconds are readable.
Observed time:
h=2 m=37
